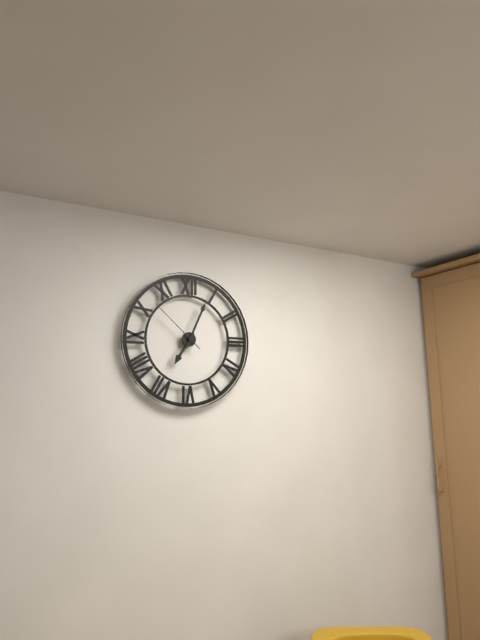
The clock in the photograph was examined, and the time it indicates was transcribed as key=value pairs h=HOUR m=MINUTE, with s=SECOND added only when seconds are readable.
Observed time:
h=7 m=4 s=52
